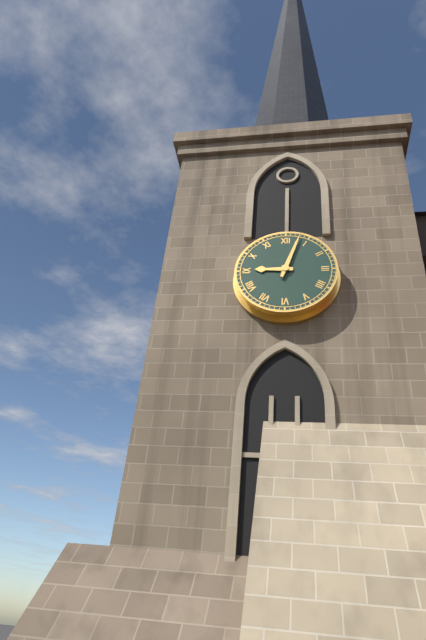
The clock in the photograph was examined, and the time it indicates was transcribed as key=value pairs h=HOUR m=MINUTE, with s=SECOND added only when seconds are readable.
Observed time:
h=9 m=3
